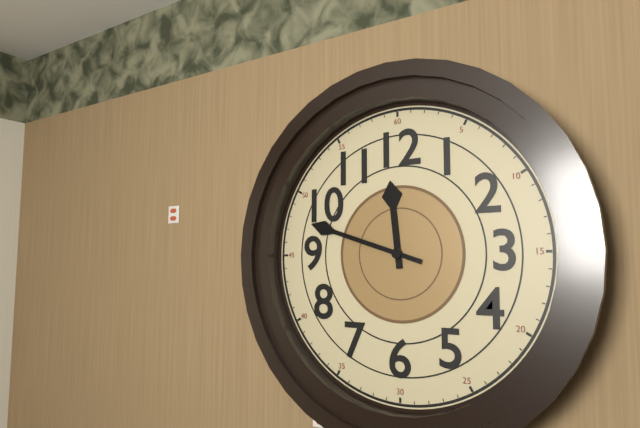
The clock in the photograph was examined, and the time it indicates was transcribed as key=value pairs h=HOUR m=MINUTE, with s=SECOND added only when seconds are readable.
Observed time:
h=11 m=48
